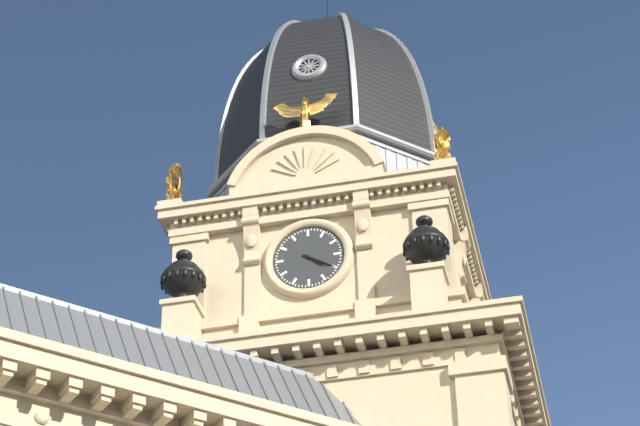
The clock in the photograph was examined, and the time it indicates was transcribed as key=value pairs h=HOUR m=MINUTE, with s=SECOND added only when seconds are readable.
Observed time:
h=4 m=20
